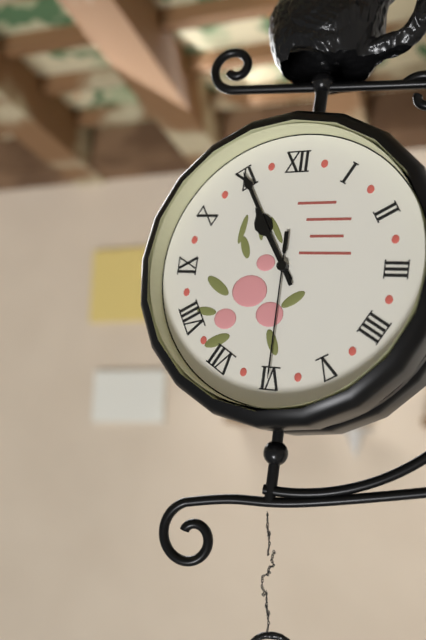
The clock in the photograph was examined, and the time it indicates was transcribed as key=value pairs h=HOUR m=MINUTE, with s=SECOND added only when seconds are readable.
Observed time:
h=10 m=55 s=30
